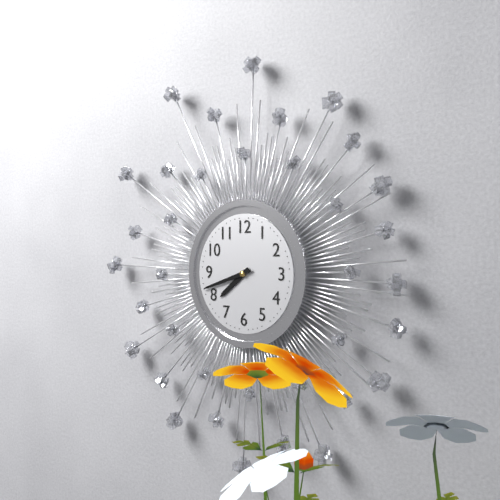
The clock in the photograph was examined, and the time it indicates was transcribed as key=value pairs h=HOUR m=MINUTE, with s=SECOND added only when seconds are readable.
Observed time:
h=7 m=42
